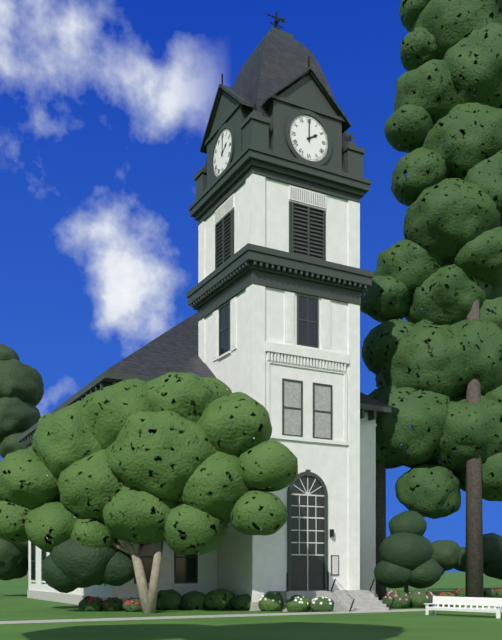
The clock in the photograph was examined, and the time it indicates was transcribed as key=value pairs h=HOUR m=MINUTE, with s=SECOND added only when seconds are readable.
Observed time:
h=2 m=0
